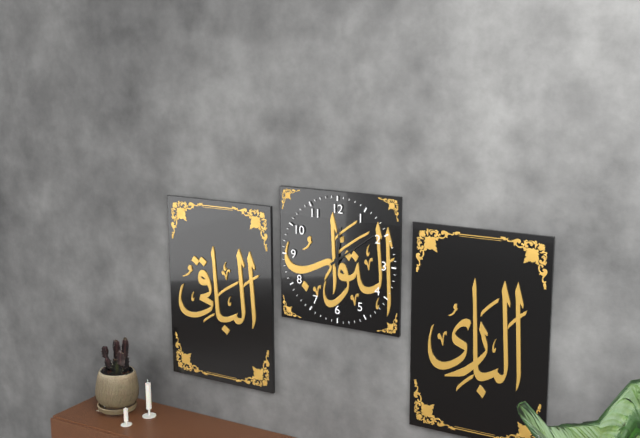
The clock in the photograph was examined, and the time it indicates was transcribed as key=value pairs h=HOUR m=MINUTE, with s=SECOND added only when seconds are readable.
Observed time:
h=12 m=9
